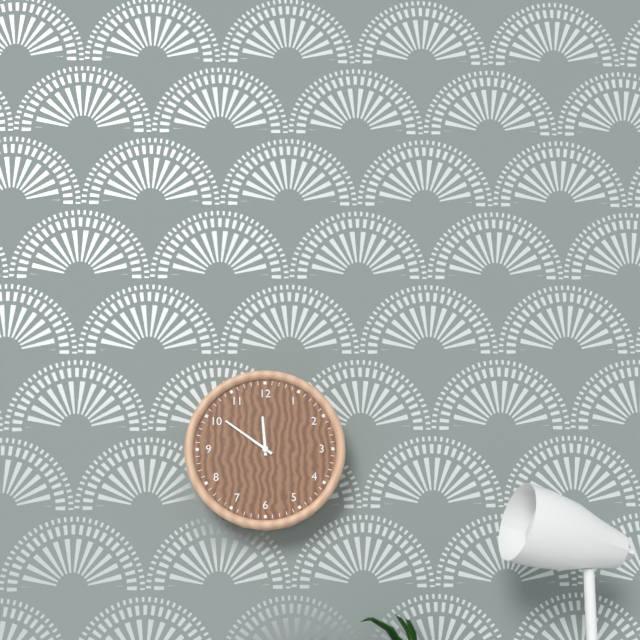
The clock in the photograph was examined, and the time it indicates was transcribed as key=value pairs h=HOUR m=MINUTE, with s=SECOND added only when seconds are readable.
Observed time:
h=11 m=51
